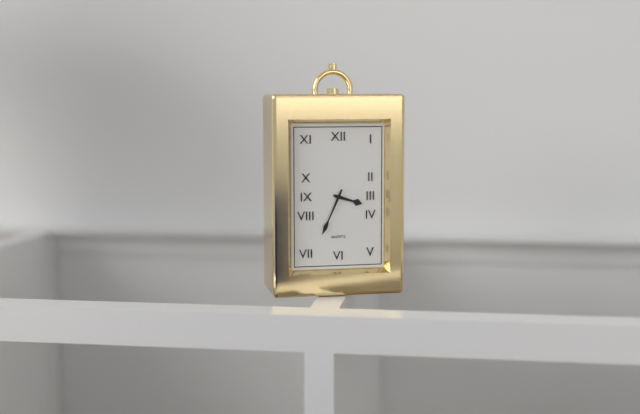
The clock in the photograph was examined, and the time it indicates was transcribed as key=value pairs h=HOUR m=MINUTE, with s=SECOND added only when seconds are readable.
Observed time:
h=3 m=34
